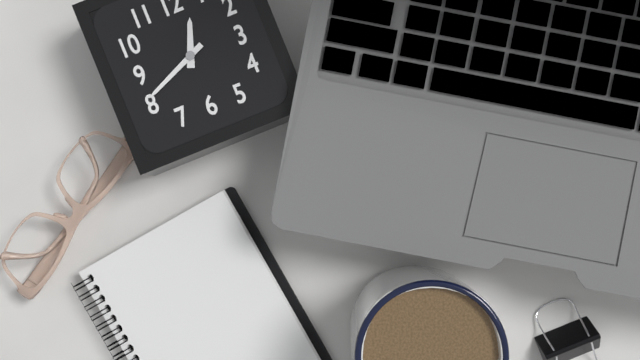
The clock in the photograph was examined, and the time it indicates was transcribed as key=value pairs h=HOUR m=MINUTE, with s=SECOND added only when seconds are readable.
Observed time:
h=12 m=41
